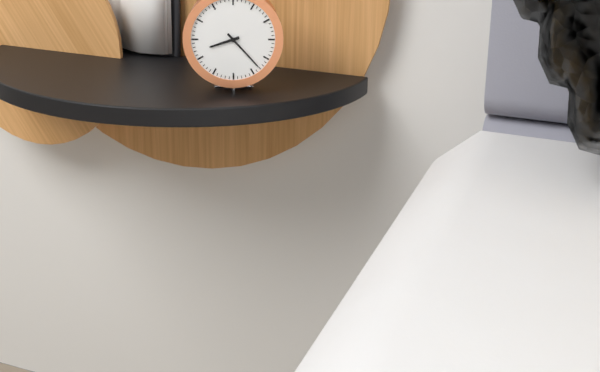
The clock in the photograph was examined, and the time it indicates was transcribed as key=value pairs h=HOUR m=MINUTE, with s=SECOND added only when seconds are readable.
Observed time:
h=8 m=23
